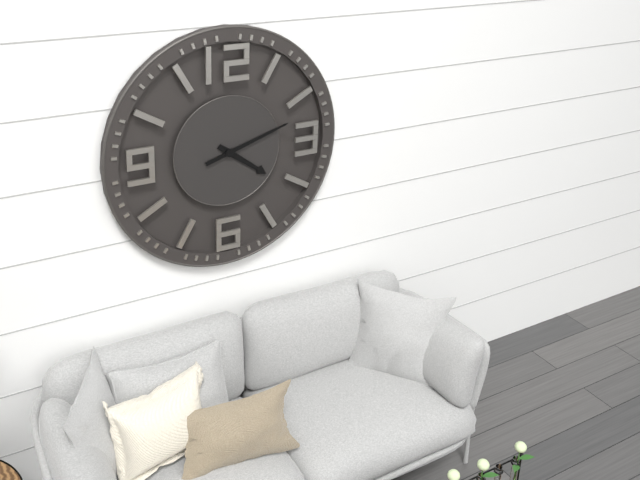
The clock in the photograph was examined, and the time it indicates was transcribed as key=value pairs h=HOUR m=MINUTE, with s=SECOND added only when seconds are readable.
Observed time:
h=4 m=12
